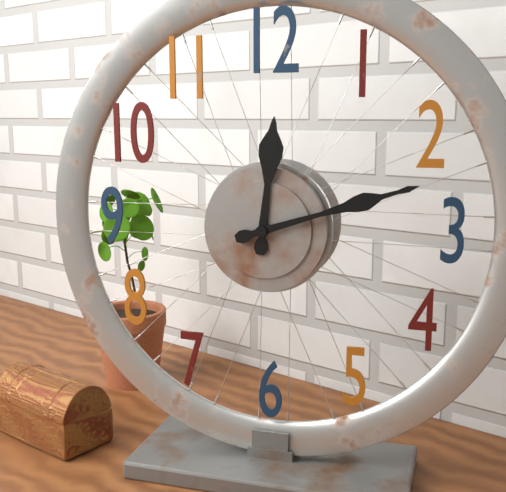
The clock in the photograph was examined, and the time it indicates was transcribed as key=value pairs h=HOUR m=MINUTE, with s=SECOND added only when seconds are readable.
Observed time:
h=12 m=12
